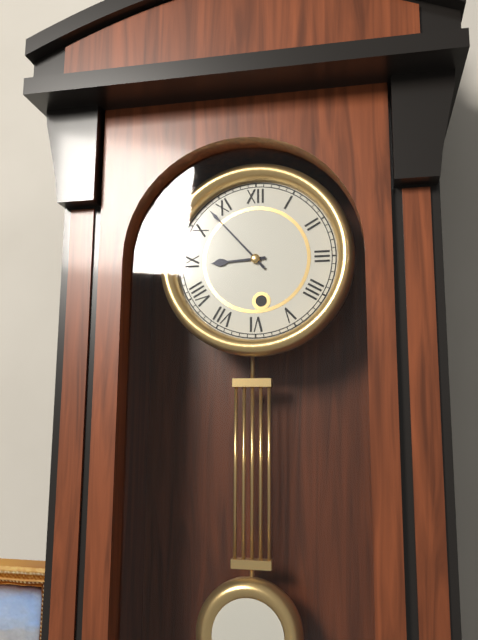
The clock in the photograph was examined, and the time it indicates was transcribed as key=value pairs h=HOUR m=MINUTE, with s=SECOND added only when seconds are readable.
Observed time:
h=8 m=53
